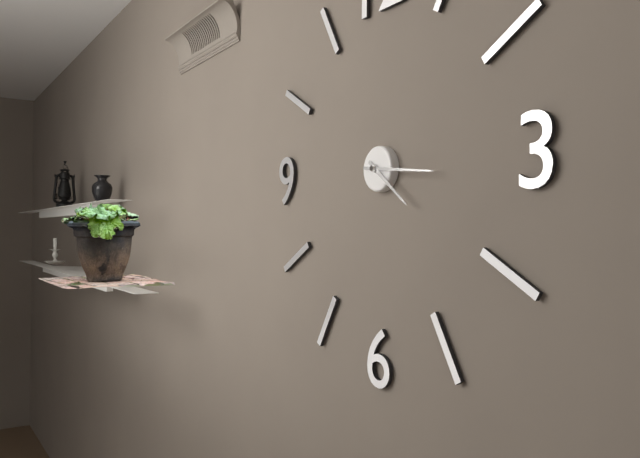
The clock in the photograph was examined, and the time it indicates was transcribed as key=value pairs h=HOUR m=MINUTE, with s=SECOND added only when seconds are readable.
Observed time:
h=4 m=16
